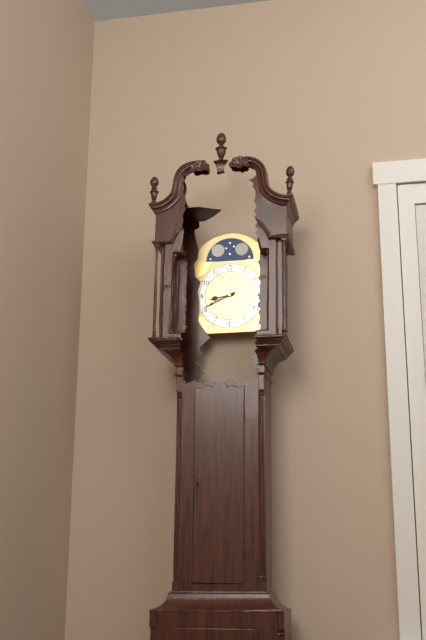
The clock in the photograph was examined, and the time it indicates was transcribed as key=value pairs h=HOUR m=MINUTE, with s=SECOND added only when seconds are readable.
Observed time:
h=8 m=41
